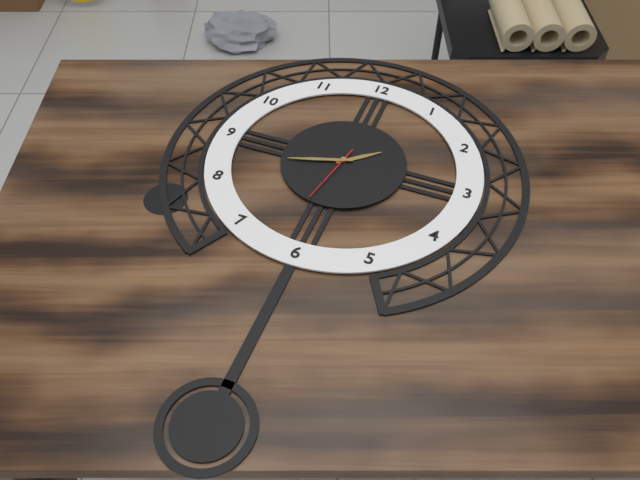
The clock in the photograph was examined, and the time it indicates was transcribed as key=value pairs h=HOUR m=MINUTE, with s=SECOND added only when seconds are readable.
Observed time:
h=1 m=42 s=32
